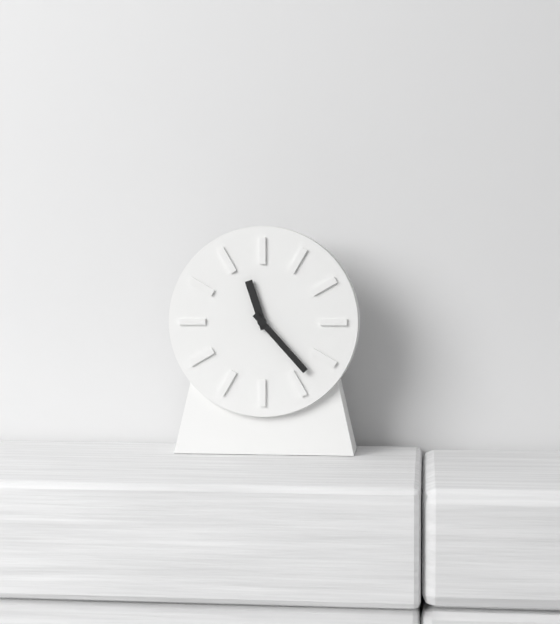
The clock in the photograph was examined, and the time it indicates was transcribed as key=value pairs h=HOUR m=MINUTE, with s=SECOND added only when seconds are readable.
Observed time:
h=11 m=23
